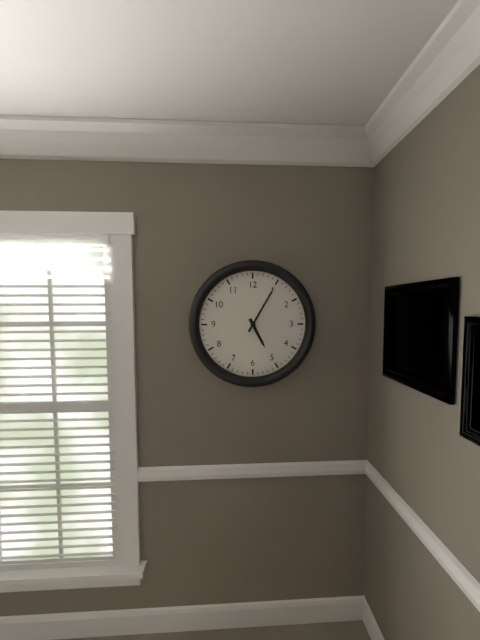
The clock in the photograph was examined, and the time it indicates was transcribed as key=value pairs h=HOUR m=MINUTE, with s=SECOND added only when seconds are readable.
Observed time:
h=5 m=5
